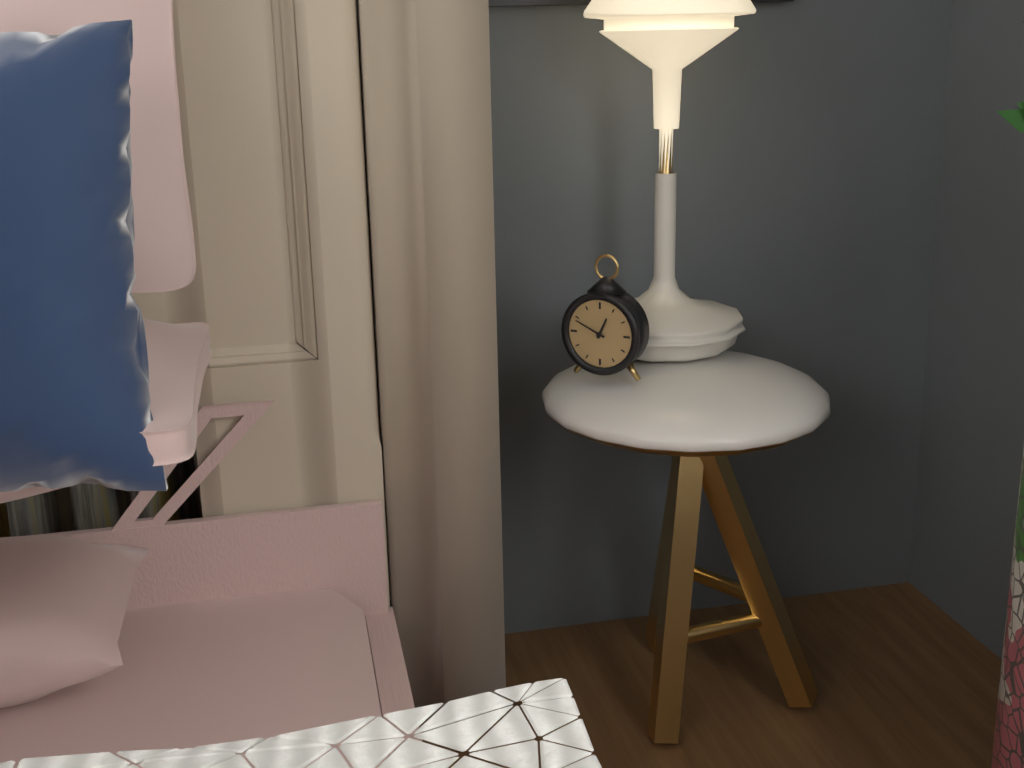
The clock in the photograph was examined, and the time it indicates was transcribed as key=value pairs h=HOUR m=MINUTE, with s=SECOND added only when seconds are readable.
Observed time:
h=12 m=49
